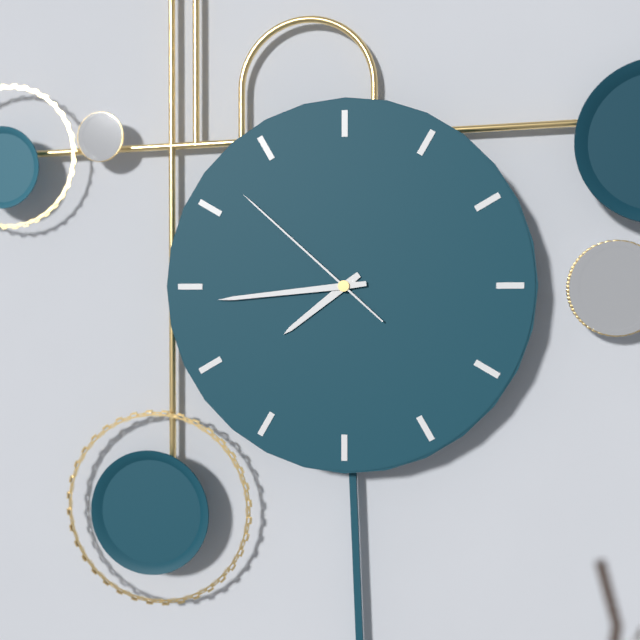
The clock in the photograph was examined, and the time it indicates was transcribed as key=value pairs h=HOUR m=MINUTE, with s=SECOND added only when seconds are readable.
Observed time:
h=7 m=44 s=52
